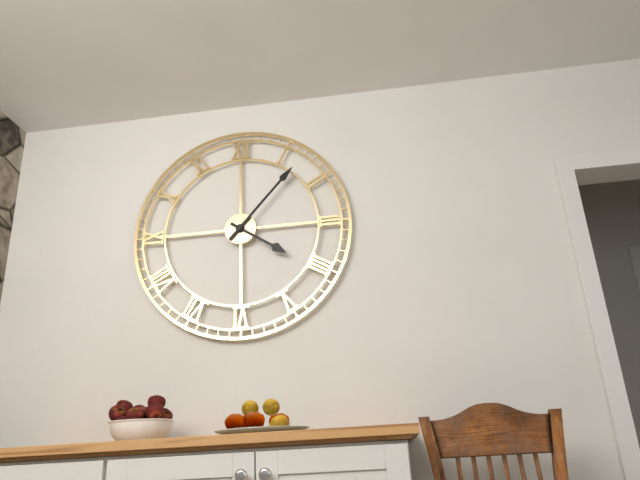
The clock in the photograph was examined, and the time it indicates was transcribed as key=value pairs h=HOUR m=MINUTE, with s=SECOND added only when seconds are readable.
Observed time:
h=4 m=7
